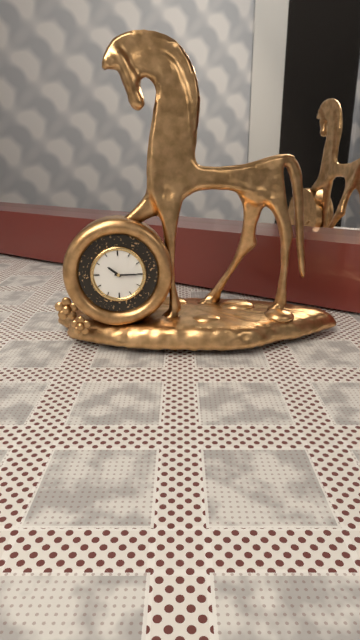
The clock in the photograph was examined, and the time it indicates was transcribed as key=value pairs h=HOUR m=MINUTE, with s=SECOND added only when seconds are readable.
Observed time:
h=10 m=15
